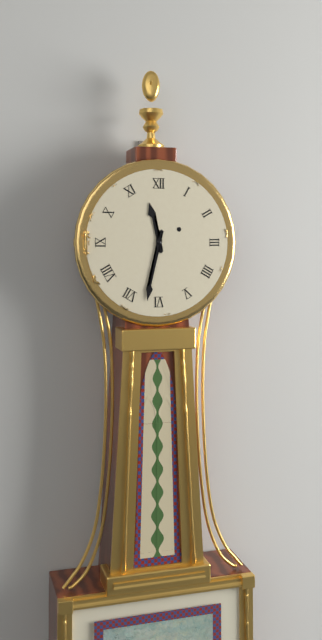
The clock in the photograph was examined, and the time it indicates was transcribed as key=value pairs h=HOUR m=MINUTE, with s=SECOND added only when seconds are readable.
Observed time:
h=11 m=32
